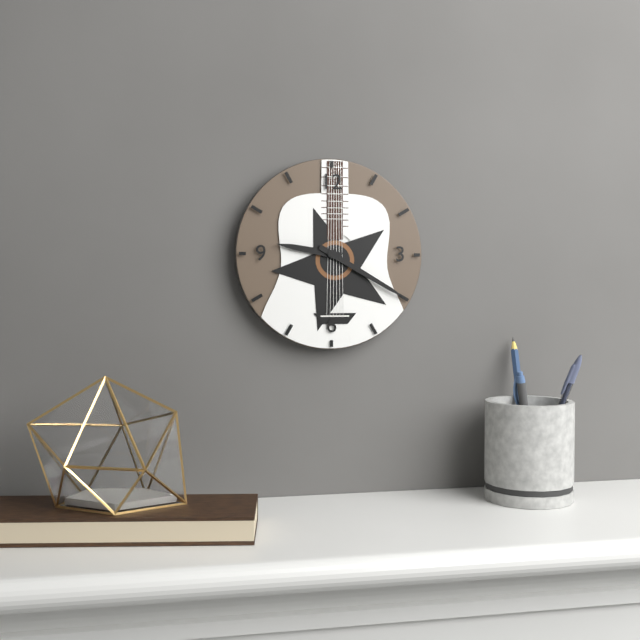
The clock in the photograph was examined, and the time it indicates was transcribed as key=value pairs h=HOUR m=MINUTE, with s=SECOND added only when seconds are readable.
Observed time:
h=9 m=20
